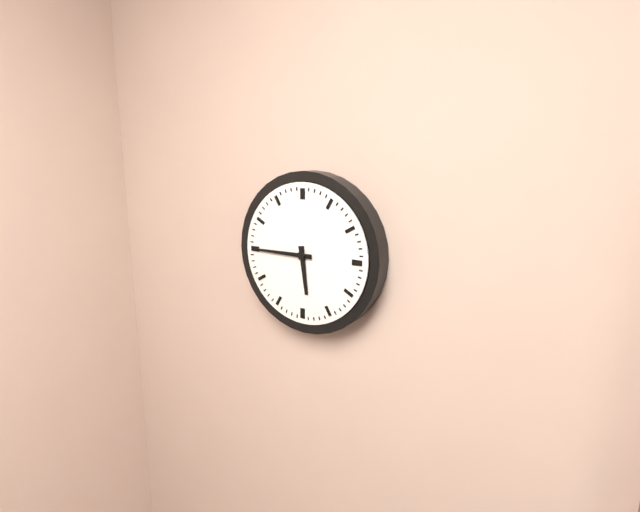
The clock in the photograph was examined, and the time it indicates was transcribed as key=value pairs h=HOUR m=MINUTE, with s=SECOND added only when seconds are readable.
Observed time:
h=5 m=45
